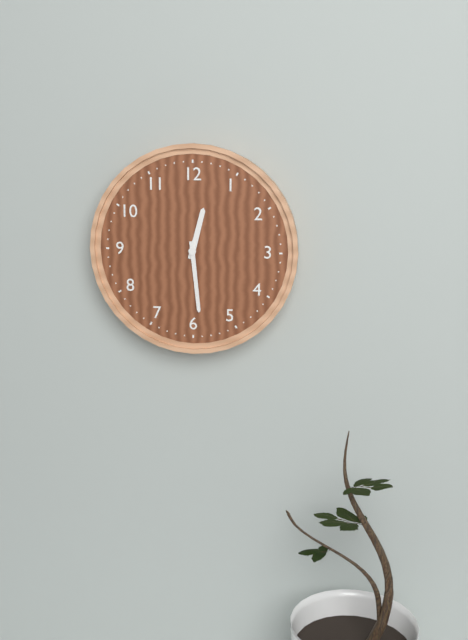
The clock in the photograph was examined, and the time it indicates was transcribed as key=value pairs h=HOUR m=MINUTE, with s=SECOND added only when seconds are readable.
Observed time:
h=12 m=29
